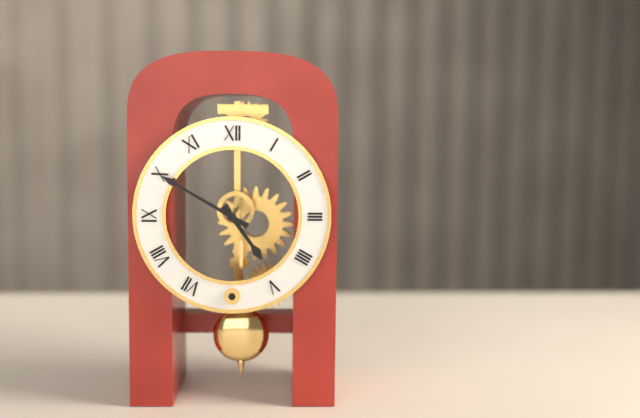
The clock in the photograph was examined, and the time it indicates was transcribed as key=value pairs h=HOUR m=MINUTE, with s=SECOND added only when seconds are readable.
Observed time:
h=4 m=50
